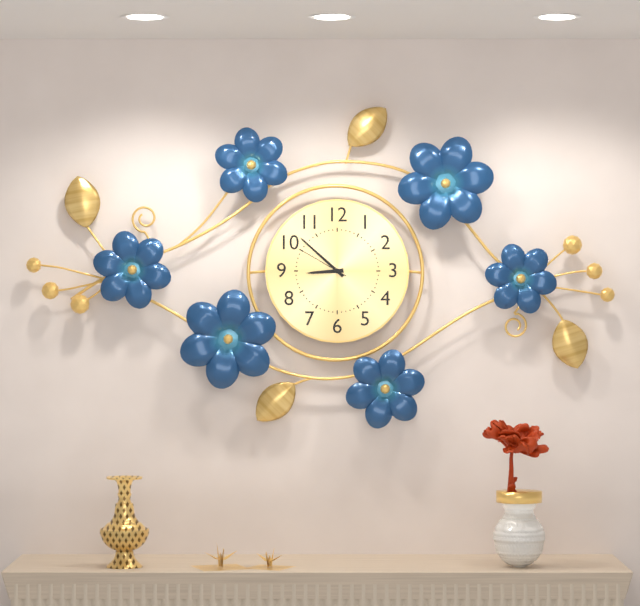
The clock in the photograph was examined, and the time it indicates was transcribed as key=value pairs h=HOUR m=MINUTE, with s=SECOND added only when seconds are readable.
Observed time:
h=8 m=52 s=50
